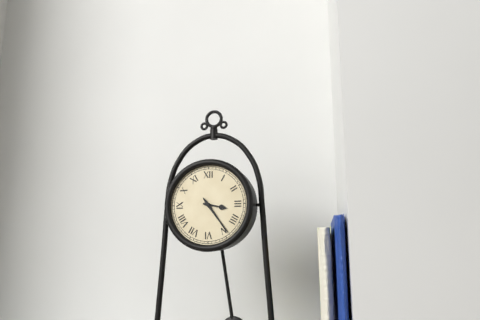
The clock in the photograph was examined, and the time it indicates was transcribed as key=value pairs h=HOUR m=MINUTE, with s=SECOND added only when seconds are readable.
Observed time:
h=3 m=24
